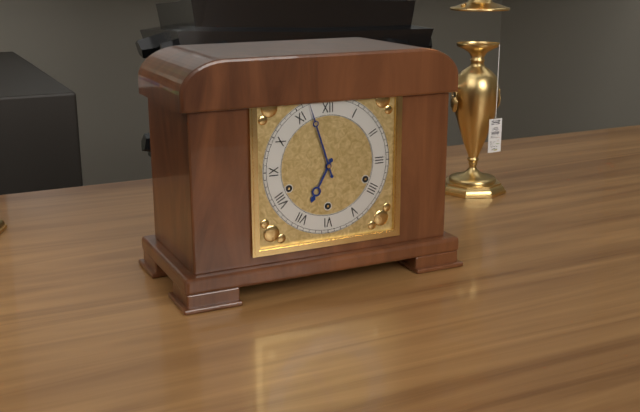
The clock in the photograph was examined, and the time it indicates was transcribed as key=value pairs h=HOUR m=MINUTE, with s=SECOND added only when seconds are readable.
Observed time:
h=6 m=57
